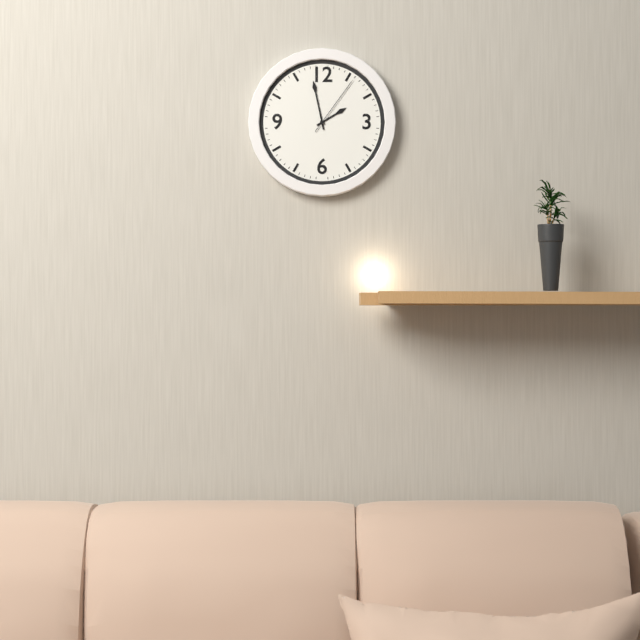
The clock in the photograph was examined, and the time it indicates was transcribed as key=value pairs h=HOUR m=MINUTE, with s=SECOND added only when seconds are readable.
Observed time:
h=1 m=58 s=6
